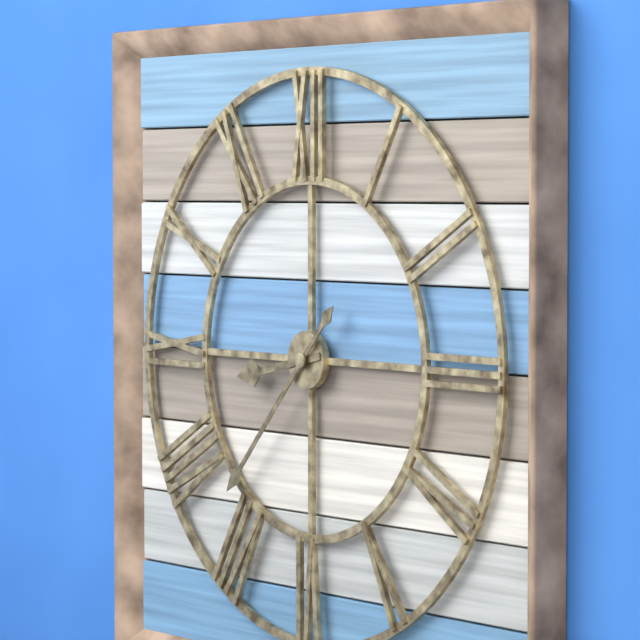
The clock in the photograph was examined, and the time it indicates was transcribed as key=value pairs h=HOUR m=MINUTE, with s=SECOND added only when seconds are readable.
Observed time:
h=8 m=37
